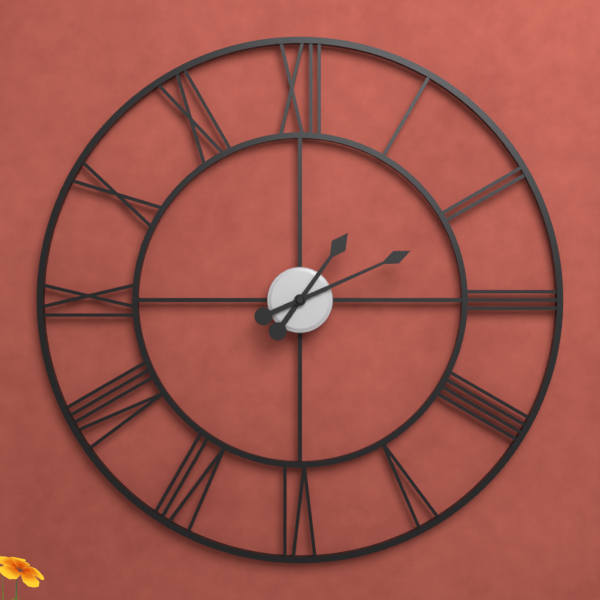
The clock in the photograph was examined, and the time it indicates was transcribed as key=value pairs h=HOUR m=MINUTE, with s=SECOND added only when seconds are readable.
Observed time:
h=1 m=11
